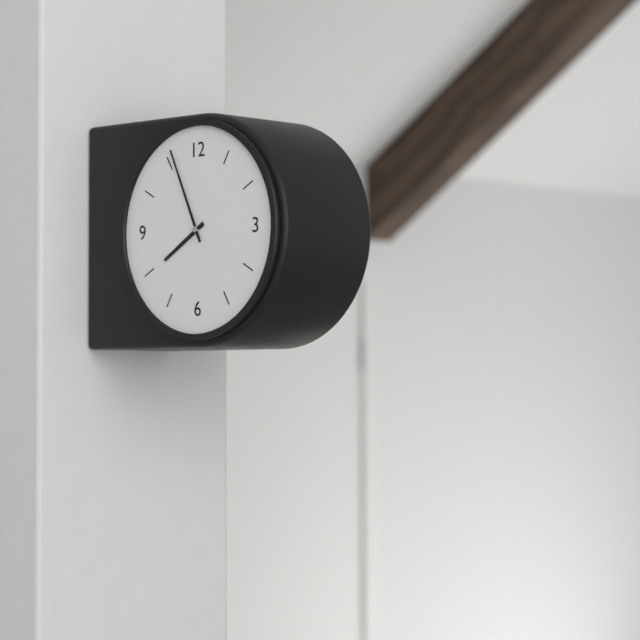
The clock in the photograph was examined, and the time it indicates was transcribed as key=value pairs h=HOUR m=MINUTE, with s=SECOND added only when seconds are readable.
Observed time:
h=7 m=56
